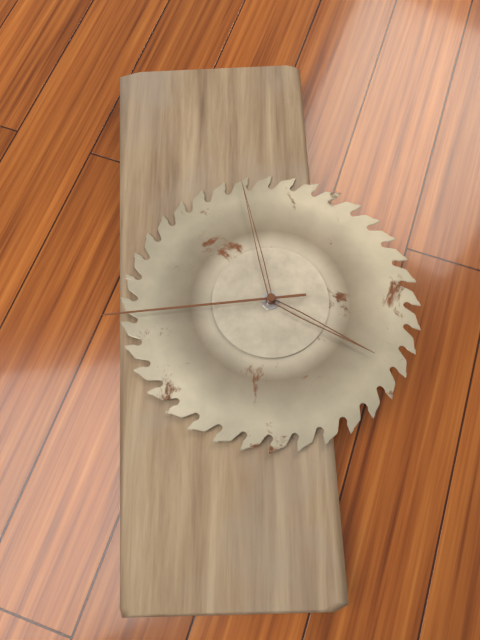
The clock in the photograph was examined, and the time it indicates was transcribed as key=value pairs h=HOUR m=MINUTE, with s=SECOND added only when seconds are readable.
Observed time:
h=3 m=58 s=44
